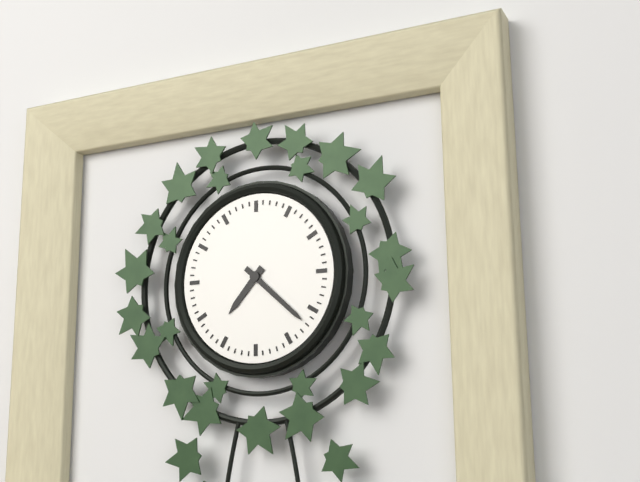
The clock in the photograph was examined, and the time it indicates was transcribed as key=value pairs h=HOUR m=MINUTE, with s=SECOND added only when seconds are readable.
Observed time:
h=7 m=22
